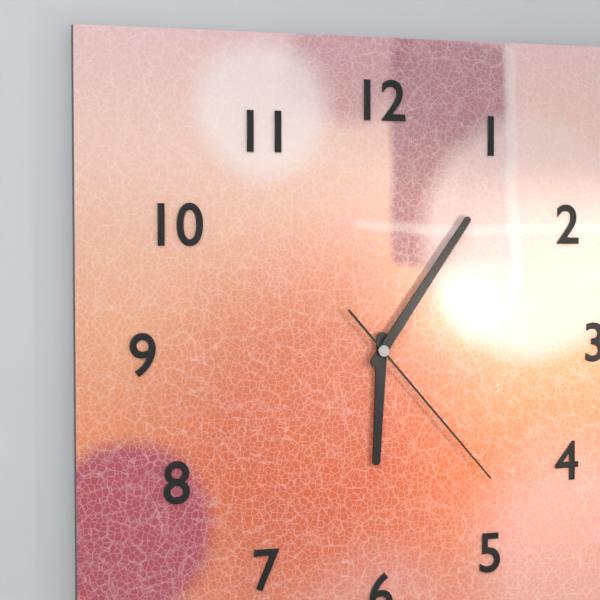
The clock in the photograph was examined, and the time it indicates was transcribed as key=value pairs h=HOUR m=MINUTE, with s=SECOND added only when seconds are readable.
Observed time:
h=6 m=6 s=23
